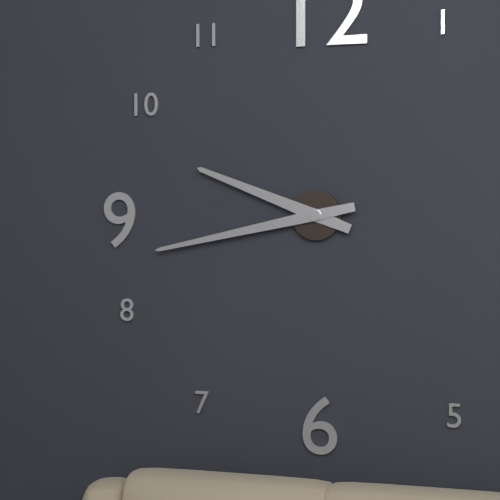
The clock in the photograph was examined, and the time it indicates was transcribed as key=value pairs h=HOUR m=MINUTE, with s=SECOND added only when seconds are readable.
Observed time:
h=9 m=43
